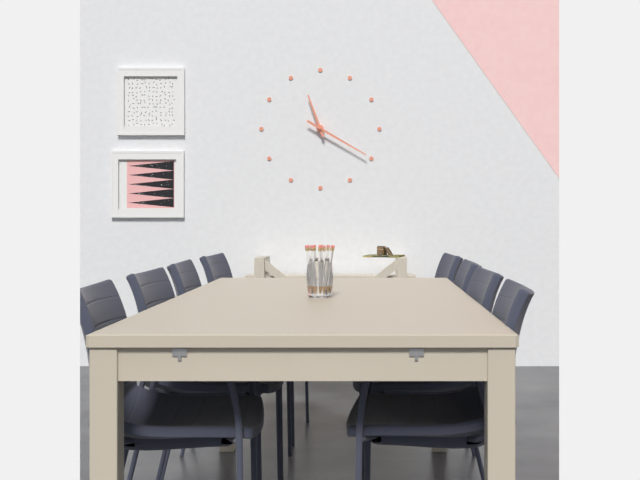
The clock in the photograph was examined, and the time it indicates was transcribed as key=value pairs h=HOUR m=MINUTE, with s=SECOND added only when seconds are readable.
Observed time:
h=11 m=20
